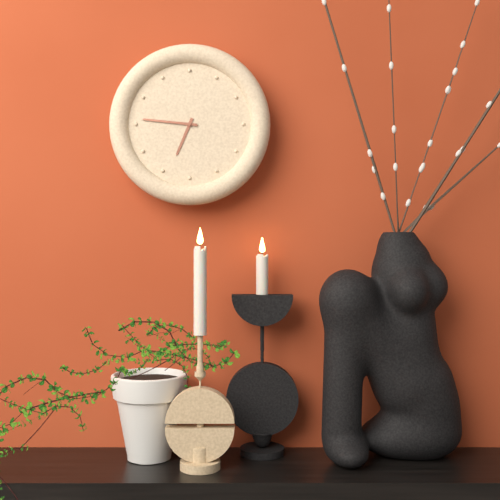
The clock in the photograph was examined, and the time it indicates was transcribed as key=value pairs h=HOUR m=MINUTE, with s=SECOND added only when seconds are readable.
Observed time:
h=6 m=46
